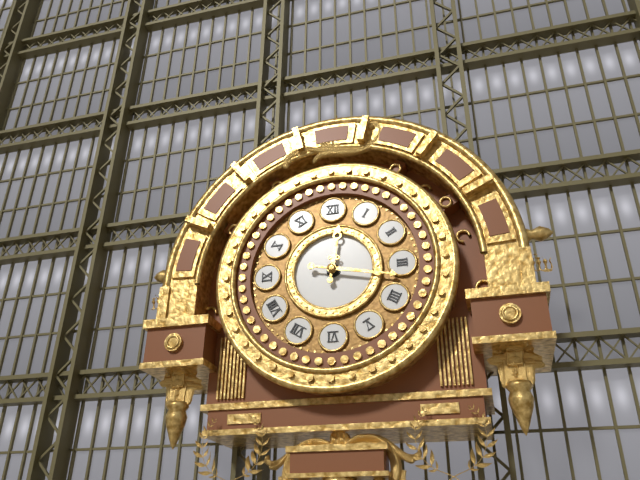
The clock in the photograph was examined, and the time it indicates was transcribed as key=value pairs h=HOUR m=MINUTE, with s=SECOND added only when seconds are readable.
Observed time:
h=12 m=17
